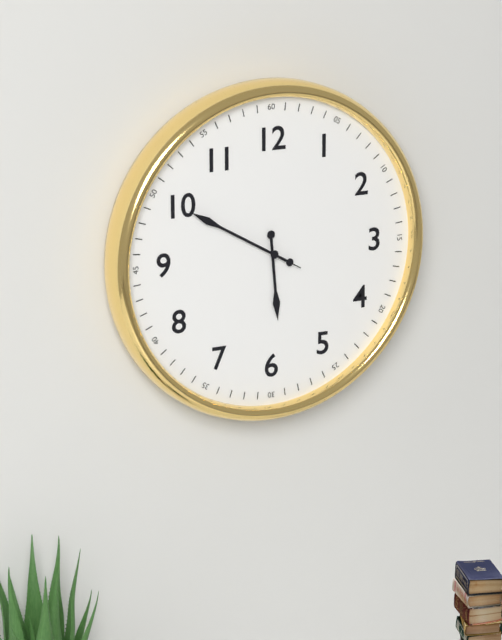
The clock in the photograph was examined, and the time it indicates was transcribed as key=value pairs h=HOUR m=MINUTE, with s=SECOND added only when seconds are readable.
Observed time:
h=5 m=50 s=50
